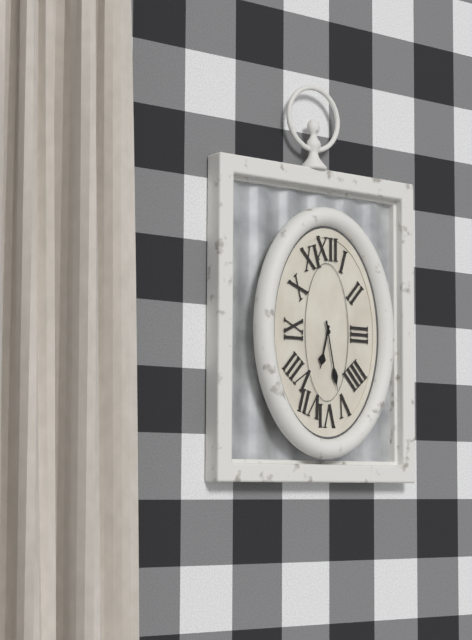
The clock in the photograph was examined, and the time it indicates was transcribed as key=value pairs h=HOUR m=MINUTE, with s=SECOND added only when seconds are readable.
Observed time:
h=6 m=28
